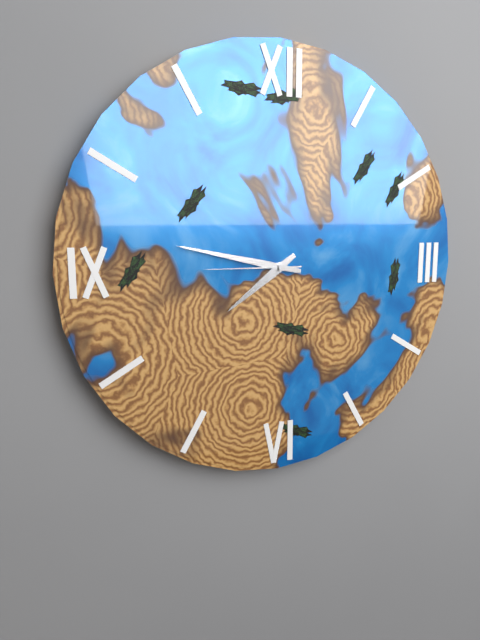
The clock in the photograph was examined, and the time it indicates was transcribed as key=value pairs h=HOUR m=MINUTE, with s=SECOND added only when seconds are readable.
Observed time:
h=7 m=47 s=45
